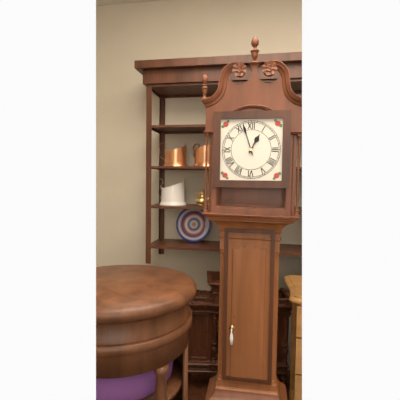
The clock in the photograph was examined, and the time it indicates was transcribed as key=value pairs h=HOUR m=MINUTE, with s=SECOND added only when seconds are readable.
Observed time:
h=12 m=57
